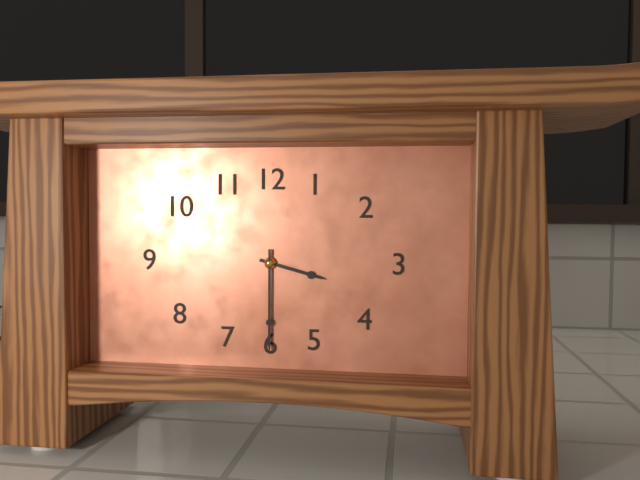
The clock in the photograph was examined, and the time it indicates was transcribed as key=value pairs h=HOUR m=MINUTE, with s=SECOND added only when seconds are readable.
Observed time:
h=3 m=30
